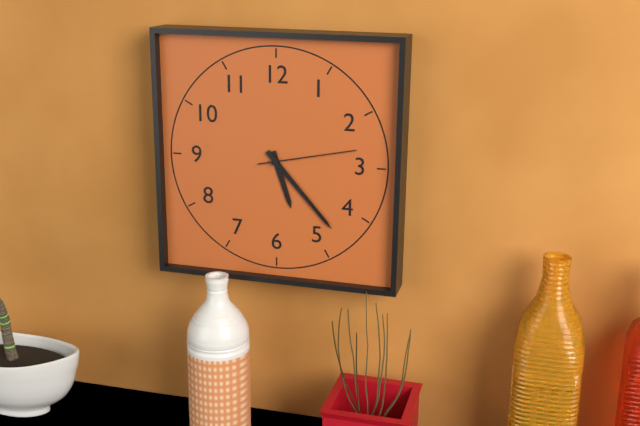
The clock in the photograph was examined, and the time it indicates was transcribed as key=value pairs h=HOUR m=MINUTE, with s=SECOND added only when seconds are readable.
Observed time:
h=5 m=23 s=13
